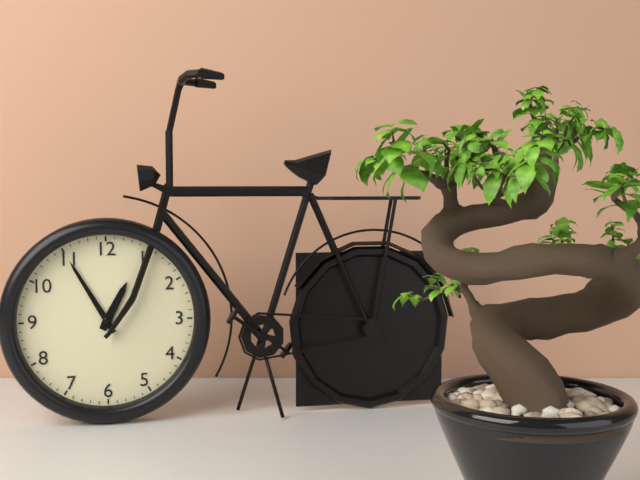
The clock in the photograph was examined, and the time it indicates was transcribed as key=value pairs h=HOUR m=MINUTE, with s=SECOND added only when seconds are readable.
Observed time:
h=12 m=55
